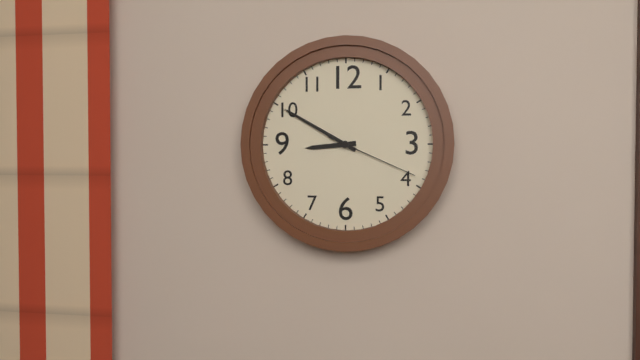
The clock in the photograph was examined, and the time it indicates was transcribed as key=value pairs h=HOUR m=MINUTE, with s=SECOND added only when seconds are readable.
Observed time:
h=8 m=50 s=19
